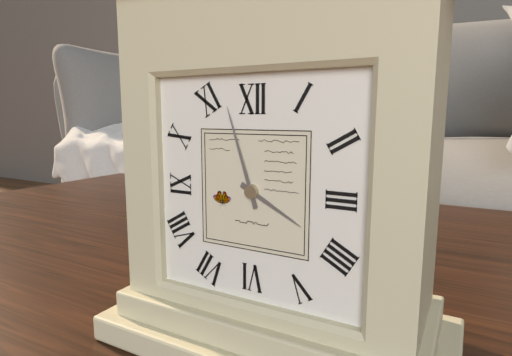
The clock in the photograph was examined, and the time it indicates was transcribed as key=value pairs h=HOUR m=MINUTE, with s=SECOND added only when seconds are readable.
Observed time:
h=3 m=57
